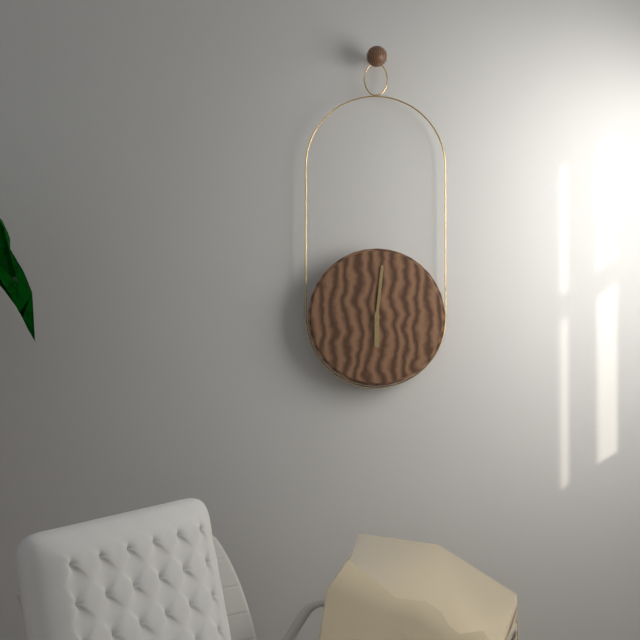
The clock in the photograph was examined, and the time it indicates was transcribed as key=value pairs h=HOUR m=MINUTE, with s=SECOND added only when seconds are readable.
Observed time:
h=6 m=1
